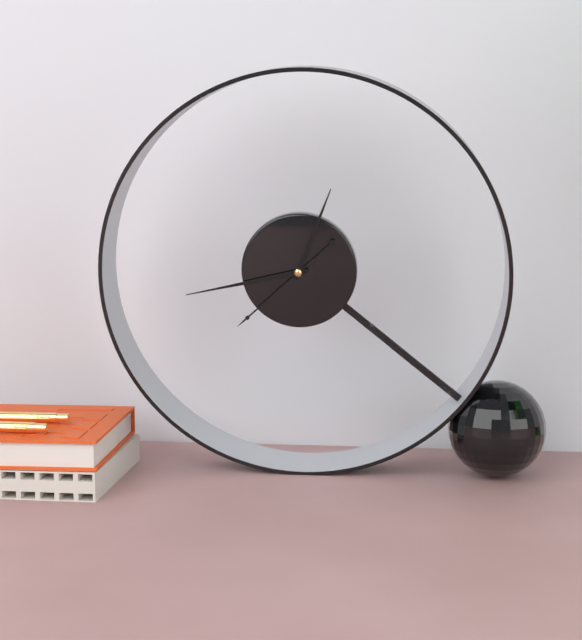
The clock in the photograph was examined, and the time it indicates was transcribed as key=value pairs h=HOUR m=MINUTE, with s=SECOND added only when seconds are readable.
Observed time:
h=12 m=43 s=38
